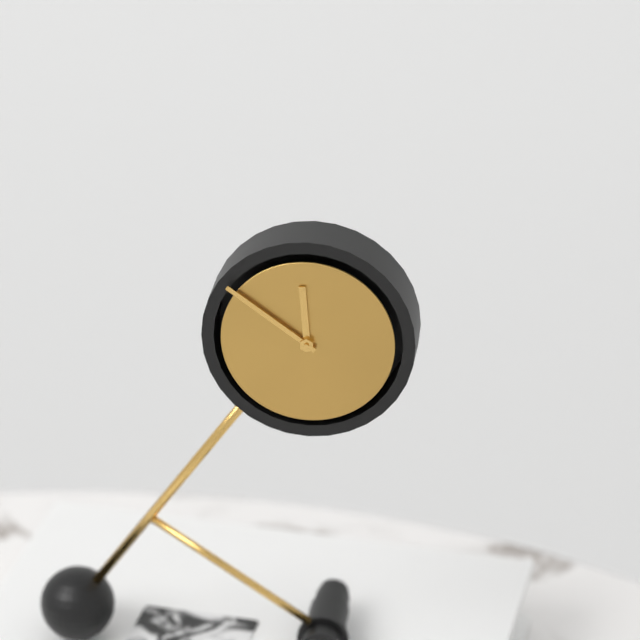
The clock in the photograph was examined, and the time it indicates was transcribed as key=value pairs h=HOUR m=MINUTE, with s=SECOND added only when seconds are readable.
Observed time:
h=11 m=51
